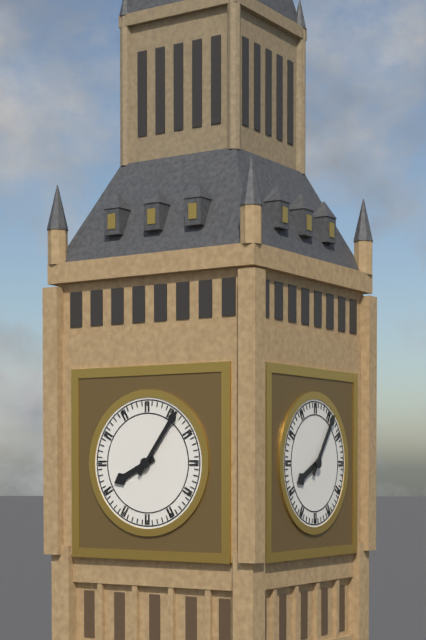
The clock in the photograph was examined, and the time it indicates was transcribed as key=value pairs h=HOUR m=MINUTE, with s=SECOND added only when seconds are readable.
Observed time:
h=8 m=6
